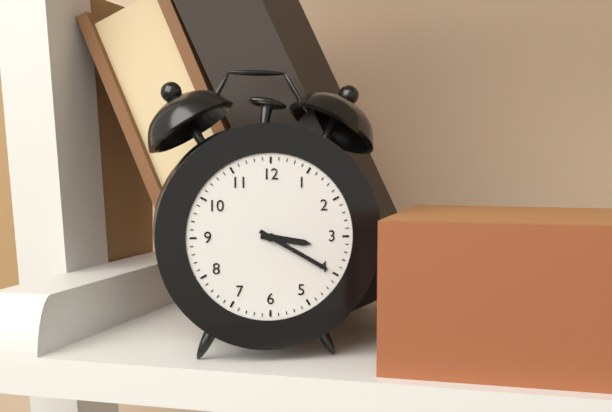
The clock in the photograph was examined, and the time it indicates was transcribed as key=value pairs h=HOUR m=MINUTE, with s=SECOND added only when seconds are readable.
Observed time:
h=3 m=20
